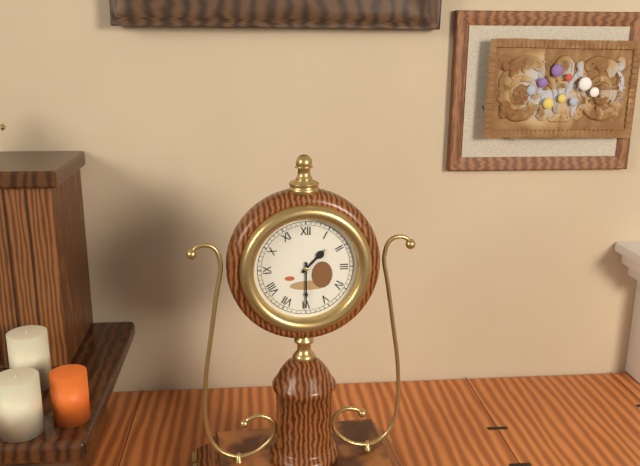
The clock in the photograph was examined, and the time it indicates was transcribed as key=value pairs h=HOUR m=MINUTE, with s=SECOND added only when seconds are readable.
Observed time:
h=1 m=30
